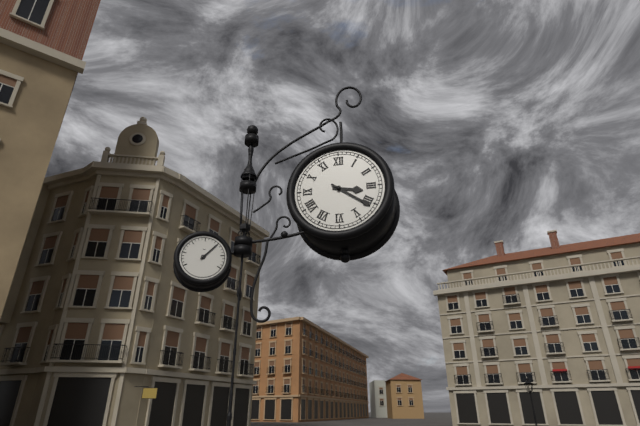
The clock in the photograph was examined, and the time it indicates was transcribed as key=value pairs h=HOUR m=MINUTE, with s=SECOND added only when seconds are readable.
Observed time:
h=3 m=21
